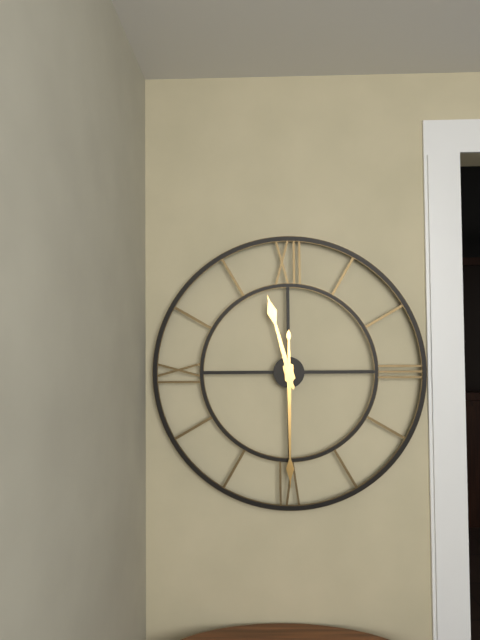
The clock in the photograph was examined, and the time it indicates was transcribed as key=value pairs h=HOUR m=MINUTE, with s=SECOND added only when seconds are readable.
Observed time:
h=11 m=30
